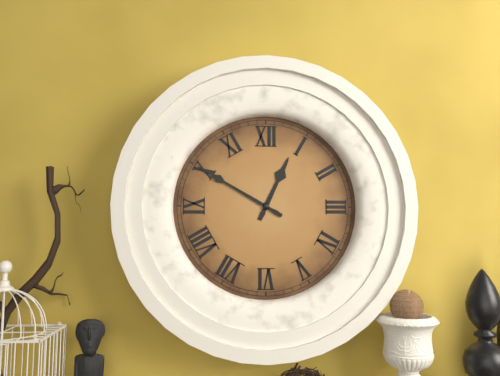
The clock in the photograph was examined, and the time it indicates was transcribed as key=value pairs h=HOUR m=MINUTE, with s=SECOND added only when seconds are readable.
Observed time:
h=12 m=50
